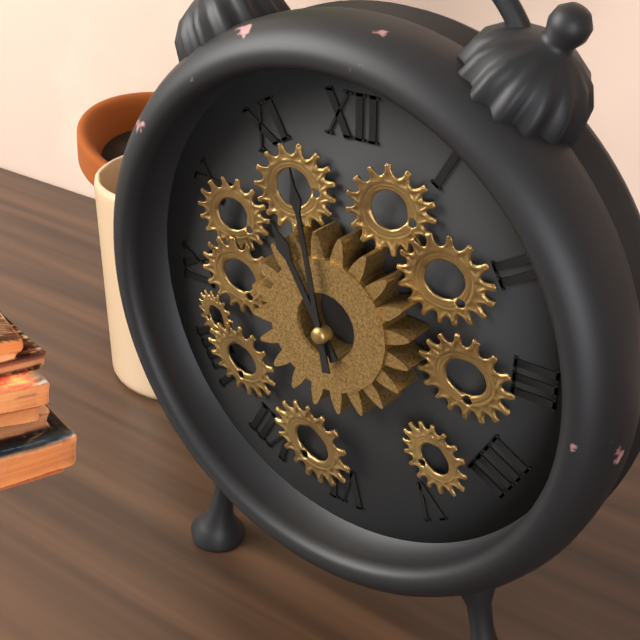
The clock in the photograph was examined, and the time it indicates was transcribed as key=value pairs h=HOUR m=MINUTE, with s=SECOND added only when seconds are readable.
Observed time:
h=10 m=58
